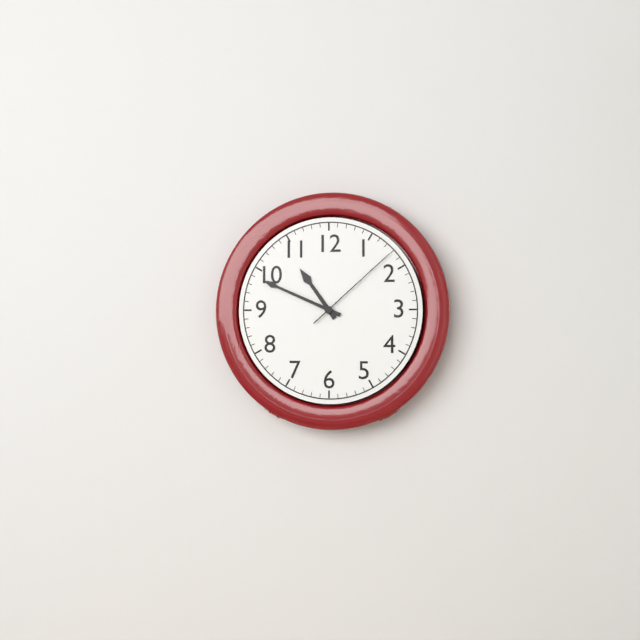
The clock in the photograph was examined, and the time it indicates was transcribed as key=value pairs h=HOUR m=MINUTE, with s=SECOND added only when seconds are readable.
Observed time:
h=10 m=49 s=8
